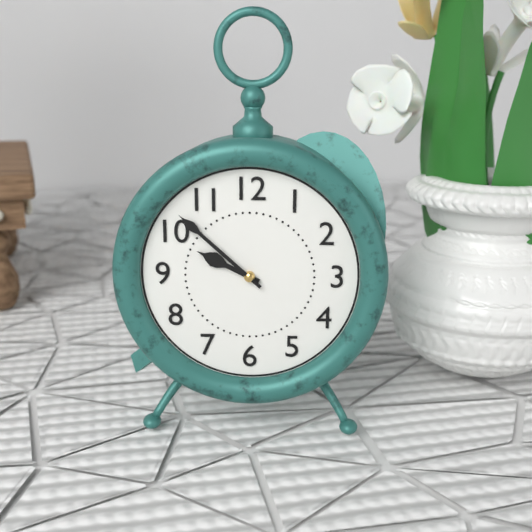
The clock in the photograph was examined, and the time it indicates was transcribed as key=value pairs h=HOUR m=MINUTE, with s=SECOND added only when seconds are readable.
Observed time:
h=9 m=52
